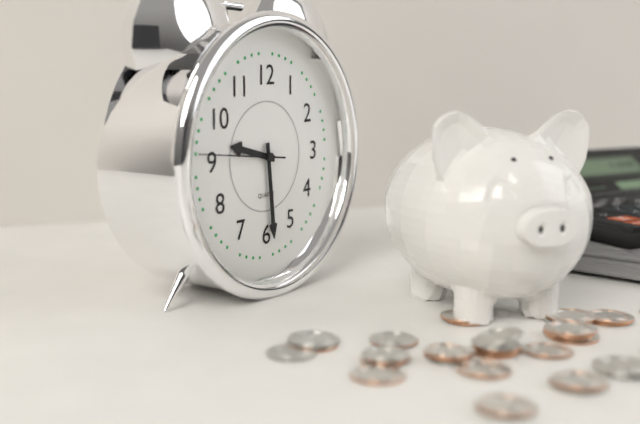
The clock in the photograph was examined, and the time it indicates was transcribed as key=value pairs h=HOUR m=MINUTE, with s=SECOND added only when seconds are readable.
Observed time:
h=9 m=29 s=46
